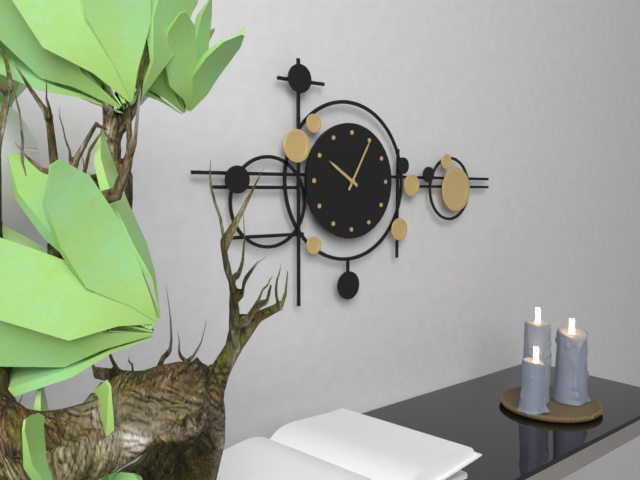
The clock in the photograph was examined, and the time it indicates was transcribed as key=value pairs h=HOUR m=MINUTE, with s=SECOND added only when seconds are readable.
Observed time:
h=10 m=5
